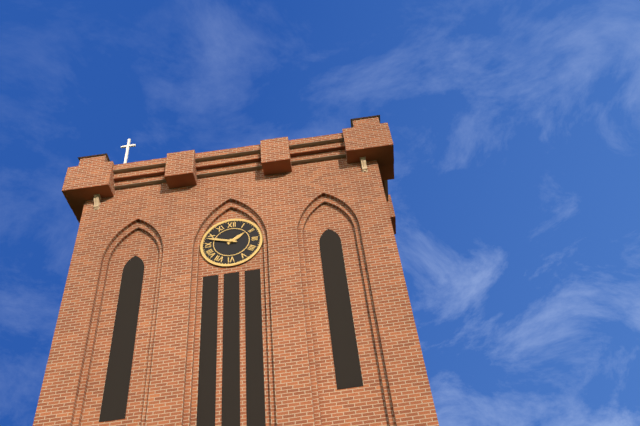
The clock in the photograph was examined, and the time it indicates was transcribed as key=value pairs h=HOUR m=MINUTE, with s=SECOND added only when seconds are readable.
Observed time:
h=1 m=48
